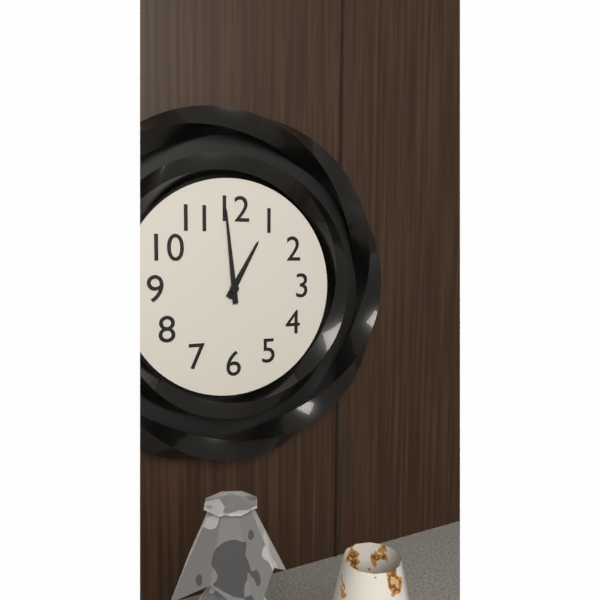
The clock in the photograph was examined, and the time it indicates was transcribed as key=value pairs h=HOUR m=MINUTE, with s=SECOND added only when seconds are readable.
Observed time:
h=12 m=59
